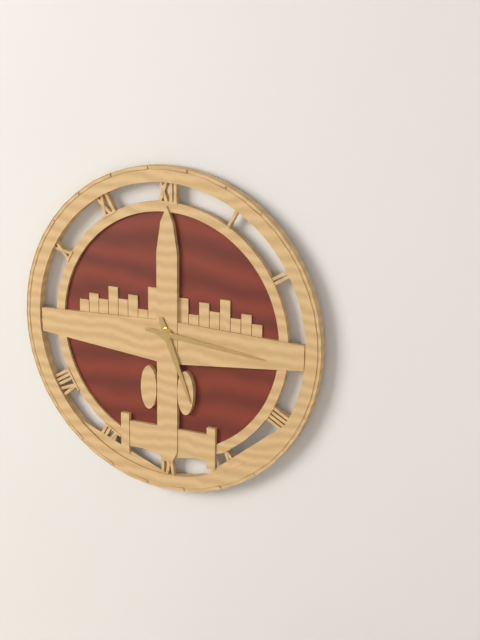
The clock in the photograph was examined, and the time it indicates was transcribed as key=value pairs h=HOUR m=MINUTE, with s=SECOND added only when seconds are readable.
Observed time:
h=5 m=16
